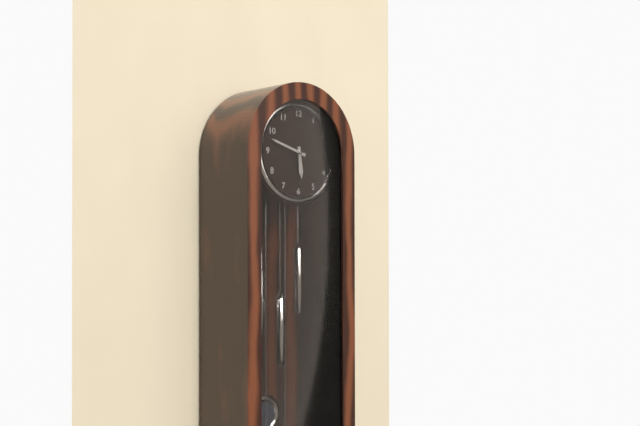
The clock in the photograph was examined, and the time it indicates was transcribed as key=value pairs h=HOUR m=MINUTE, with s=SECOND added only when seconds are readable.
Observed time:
h=5 m=48
